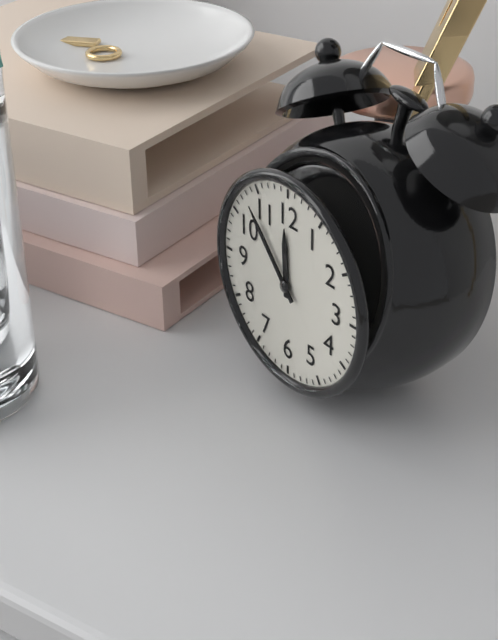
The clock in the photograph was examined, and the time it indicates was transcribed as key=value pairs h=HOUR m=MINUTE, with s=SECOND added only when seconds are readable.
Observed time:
h=11 m=53
